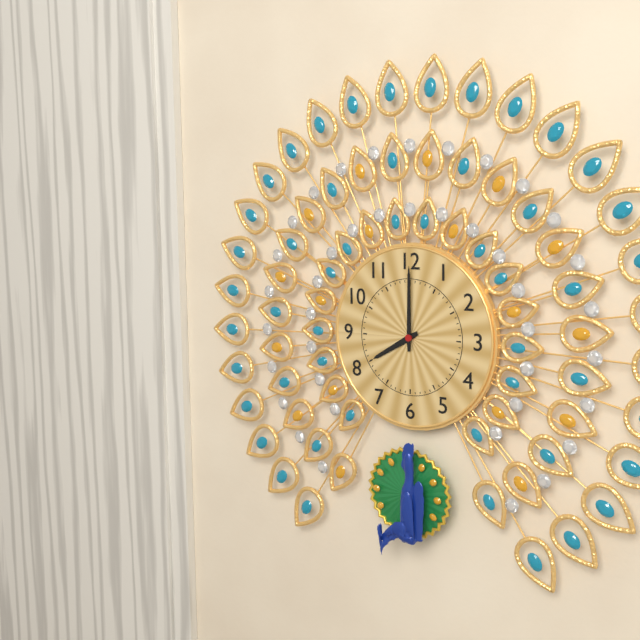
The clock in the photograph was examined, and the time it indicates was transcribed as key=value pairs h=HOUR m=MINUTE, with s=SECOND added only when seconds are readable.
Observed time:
h=8 m=0
